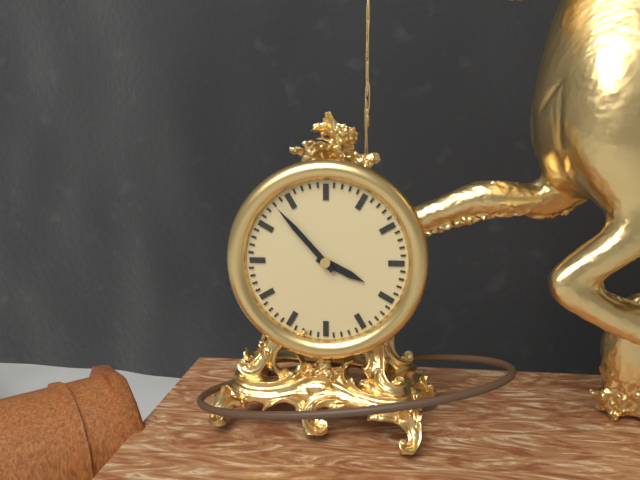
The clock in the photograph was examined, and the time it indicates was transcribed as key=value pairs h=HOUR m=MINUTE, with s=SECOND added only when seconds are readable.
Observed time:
h=3 m=53
